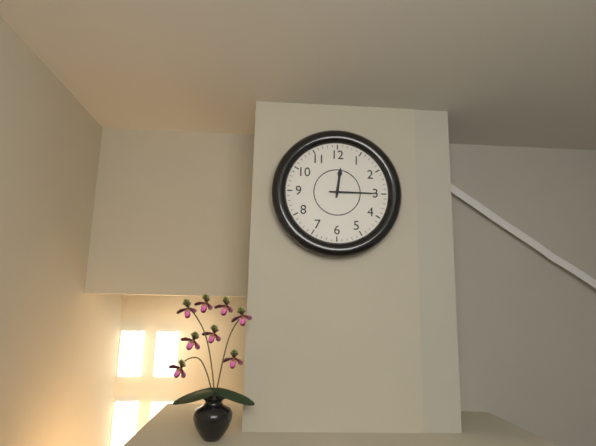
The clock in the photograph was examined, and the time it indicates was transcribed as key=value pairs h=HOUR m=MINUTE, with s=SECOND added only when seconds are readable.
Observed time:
h=12 m=15
